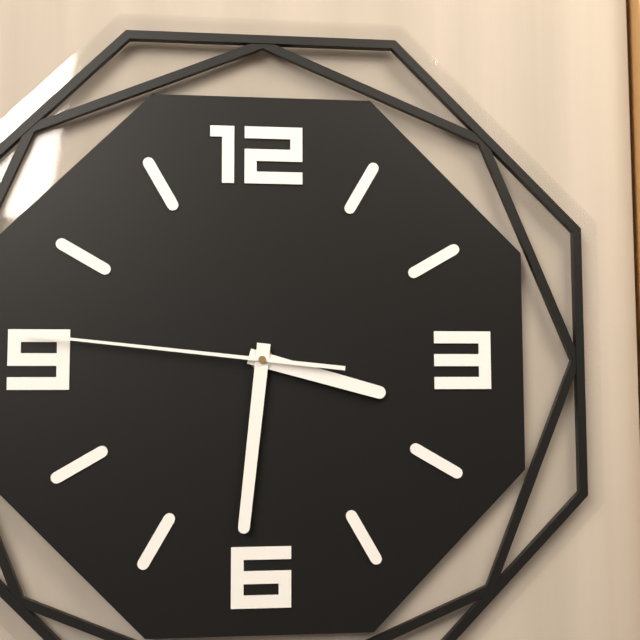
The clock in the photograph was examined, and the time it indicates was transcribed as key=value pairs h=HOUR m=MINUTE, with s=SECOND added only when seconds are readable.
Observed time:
h=3 m=31 s=46
